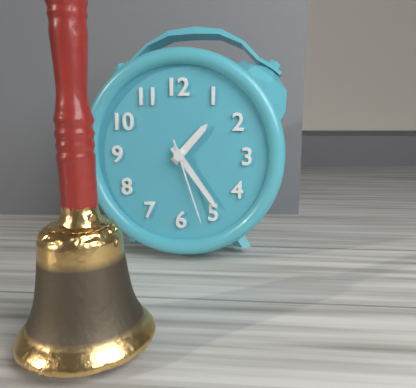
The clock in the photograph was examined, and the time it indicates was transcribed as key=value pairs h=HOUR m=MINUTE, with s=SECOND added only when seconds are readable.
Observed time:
h=1 m=24 s=27
